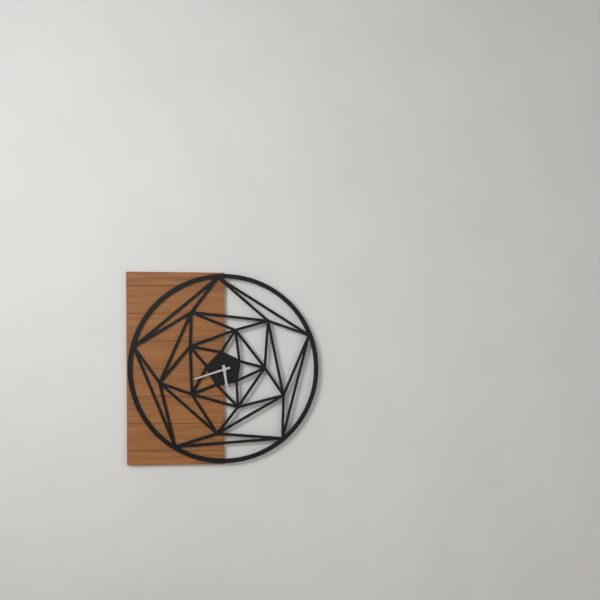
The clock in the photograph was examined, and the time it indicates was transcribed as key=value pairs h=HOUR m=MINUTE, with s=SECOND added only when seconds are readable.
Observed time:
h=5 m=42
